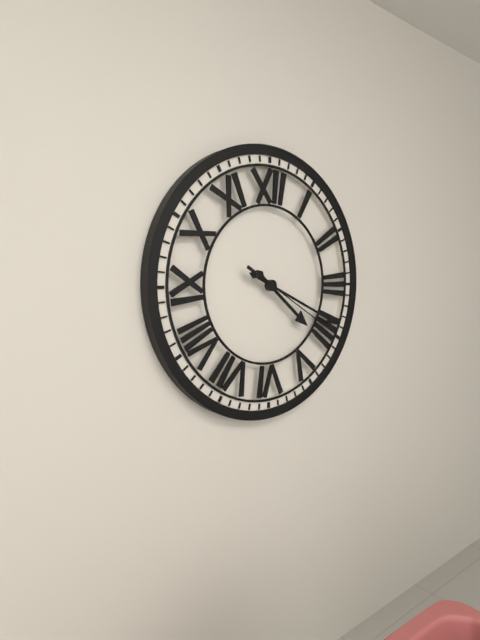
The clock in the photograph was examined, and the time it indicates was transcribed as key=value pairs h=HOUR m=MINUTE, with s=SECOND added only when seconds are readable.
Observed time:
h=4 m=19 s=20
